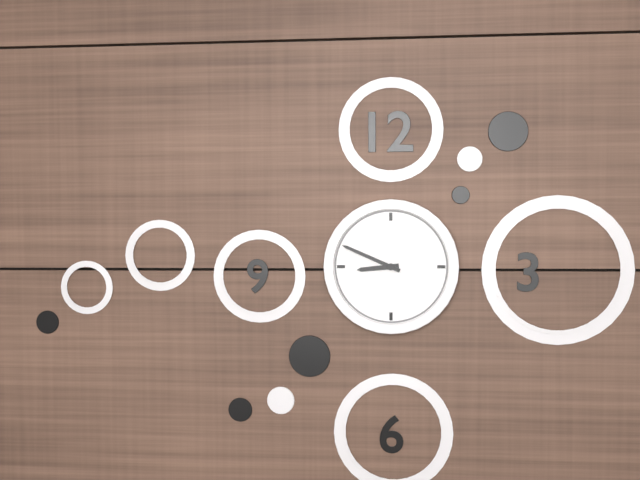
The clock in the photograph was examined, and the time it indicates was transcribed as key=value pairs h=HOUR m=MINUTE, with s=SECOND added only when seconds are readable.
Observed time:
h=8 m=49
